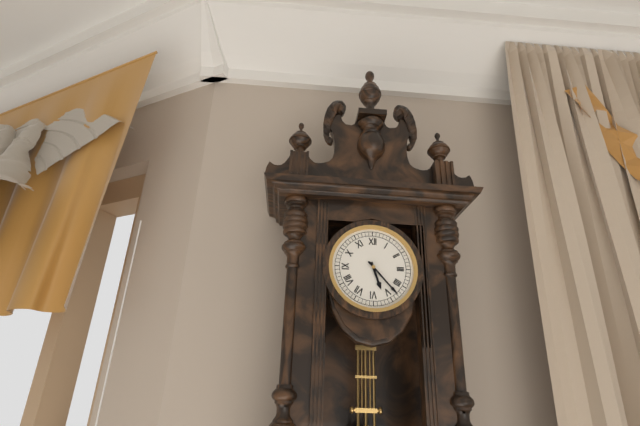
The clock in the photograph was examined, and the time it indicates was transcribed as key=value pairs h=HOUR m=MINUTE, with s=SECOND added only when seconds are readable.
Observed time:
h=5 m=23
